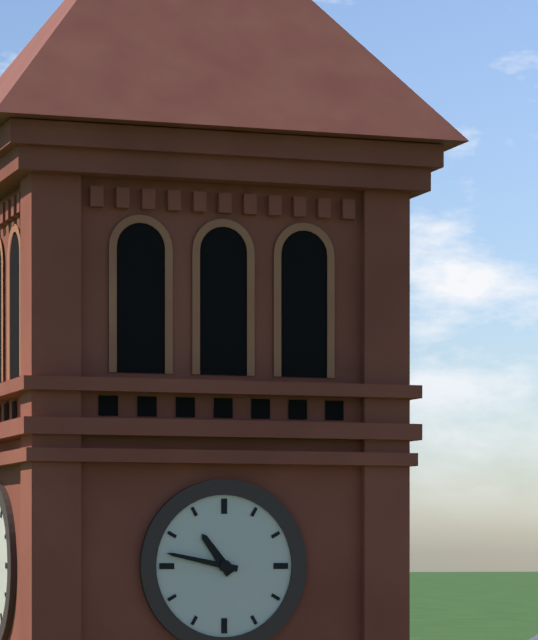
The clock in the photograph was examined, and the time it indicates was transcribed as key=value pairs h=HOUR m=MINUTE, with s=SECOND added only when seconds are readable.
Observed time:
h=10 m=47
